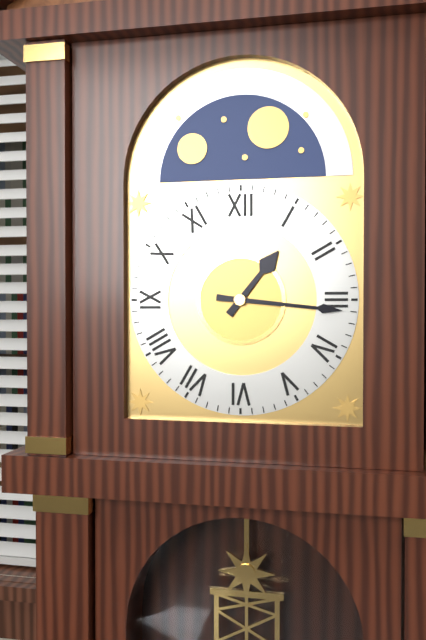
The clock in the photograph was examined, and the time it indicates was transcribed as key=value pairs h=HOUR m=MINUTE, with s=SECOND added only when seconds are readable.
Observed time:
h=1 m=16
